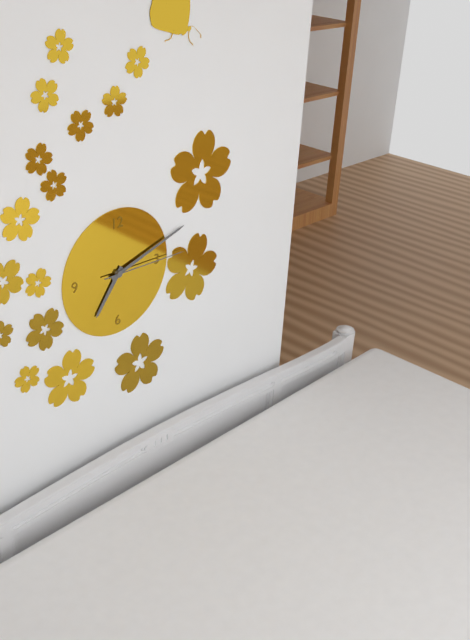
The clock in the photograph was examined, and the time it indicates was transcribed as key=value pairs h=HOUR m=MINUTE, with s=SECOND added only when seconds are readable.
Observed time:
h=7 m=12 s=15
